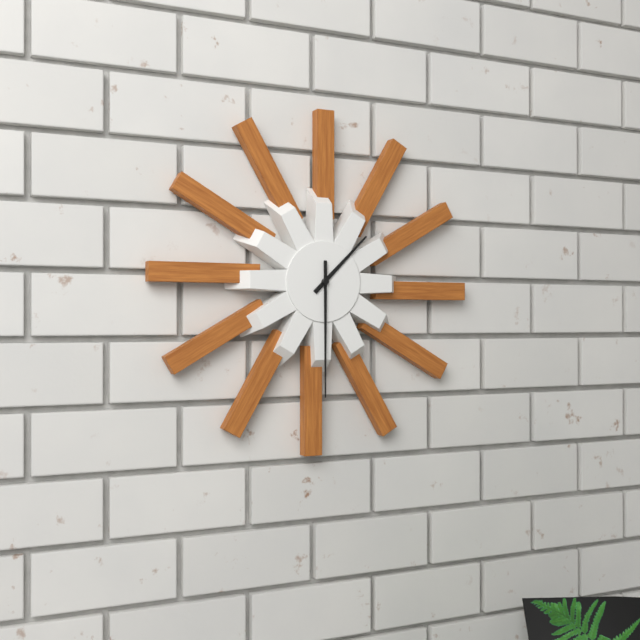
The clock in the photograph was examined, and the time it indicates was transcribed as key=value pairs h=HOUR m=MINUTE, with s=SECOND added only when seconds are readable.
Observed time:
h=1 m=30
